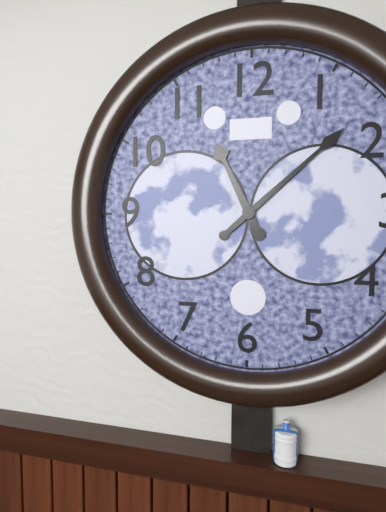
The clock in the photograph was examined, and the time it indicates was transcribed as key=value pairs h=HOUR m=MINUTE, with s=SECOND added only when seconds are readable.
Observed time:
h=11 m=8
